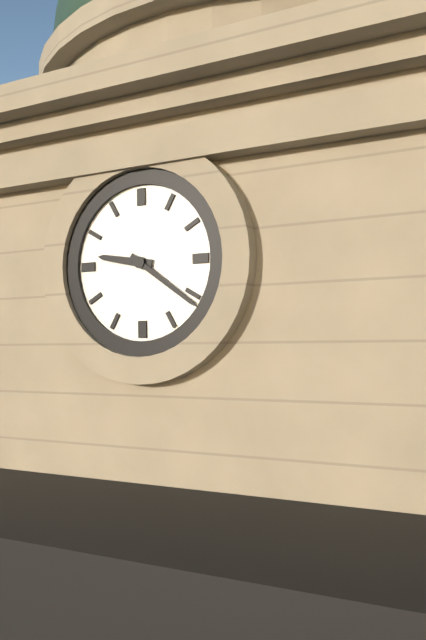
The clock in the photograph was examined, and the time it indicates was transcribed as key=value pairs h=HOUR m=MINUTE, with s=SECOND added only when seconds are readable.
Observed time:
h=9 m=21
